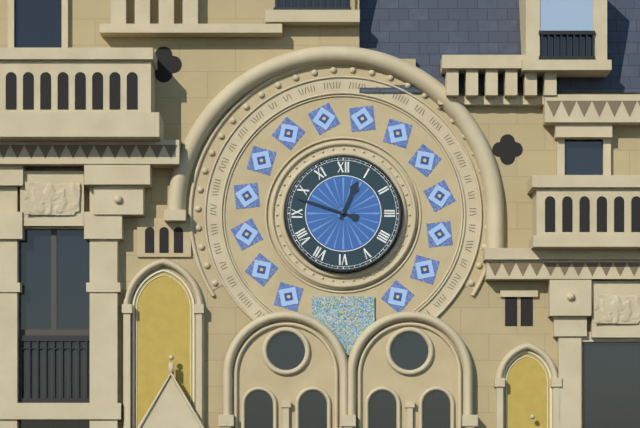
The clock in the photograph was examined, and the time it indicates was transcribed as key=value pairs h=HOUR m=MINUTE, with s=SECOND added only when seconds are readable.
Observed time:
h=12 m=48
